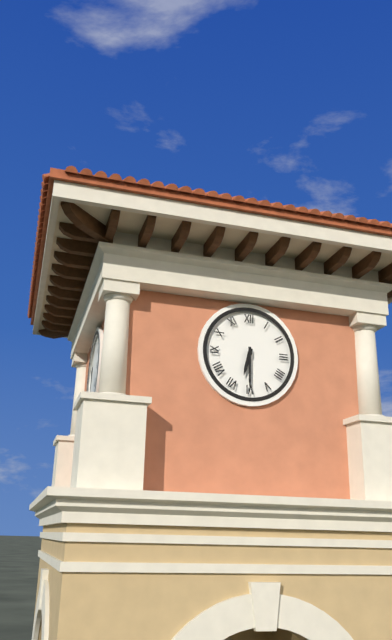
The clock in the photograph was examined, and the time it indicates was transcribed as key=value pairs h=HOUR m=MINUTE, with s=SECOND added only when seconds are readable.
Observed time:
h=6 m=30
